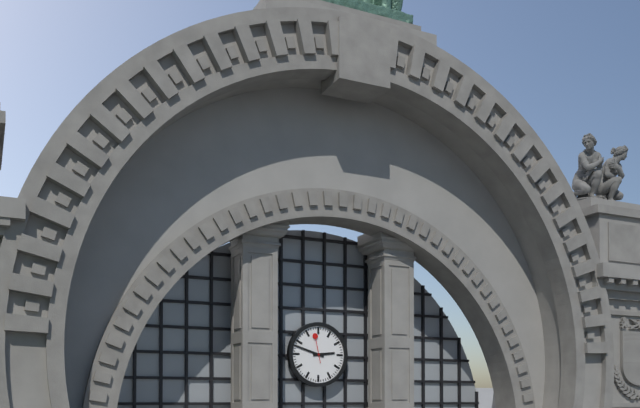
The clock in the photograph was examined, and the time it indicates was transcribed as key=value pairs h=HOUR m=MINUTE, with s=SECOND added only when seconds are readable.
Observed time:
h=2 m=48
